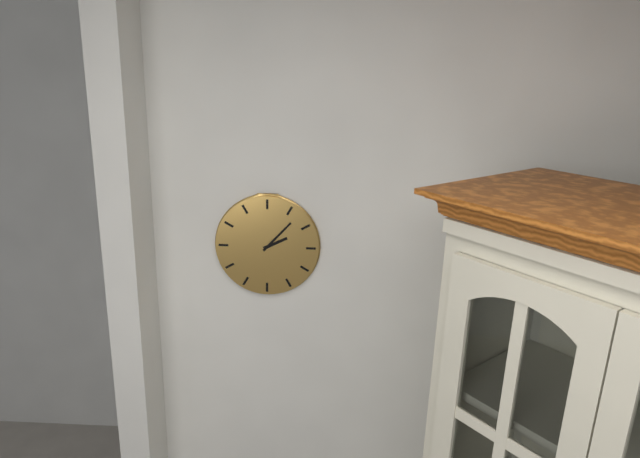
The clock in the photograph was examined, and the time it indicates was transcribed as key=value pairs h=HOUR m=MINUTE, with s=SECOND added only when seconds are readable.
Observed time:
h=2 m=7
